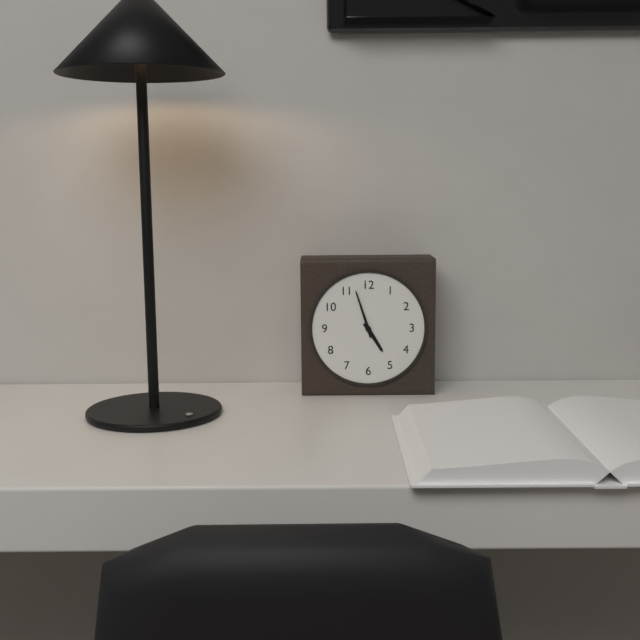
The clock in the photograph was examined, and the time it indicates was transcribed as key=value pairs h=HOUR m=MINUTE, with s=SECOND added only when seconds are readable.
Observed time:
h=4 m=57
